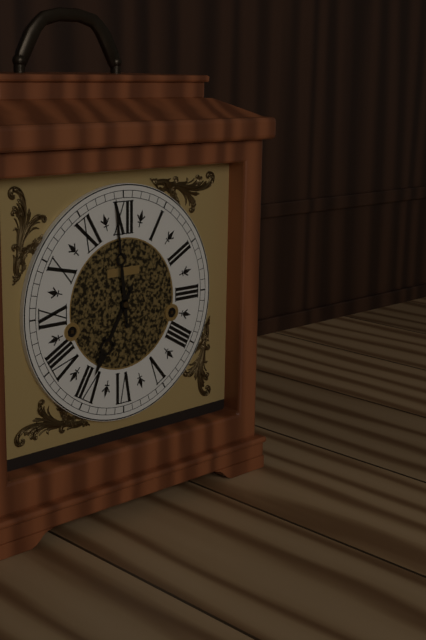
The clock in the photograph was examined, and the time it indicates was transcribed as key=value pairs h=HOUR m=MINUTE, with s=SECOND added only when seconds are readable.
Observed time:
h=6 m=59
